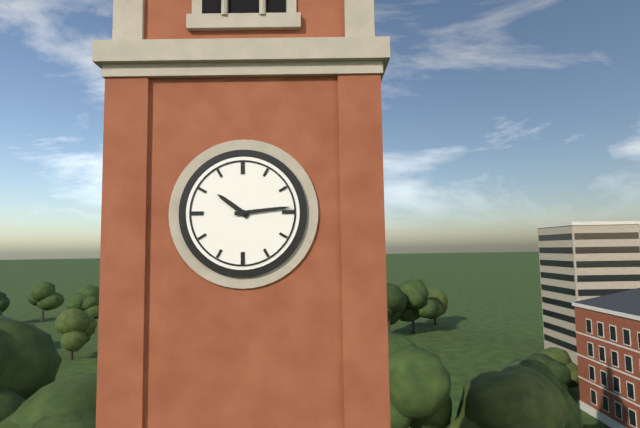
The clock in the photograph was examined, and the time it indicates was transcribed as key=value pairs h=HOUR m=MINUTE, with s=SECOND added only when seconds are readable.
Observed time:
h=10 m=14
